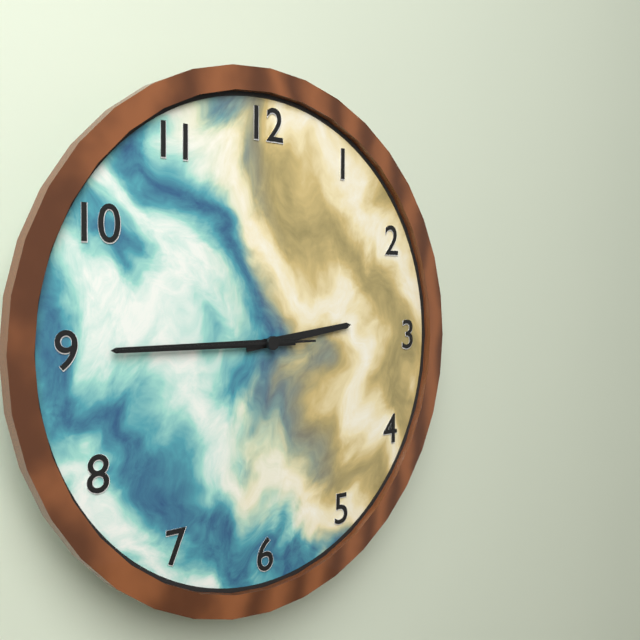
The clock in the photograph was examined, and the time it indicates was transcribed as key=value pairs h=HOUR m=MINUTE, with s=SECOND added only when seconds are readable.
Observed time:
h=2 m=45 s=45
